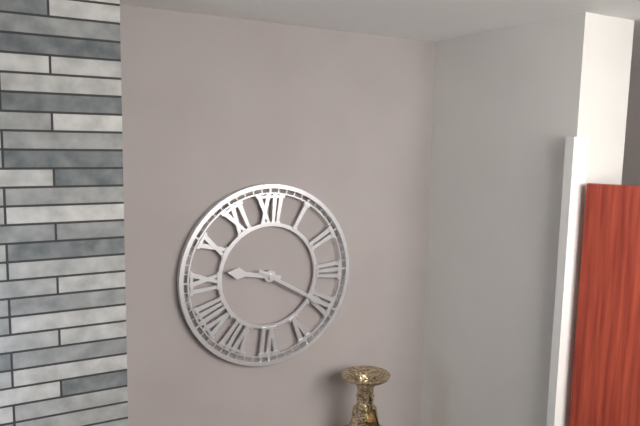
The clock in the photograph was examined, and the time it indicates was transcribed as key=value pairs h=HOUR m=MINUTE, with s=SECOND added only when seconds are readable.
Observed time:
h=9 m=20
